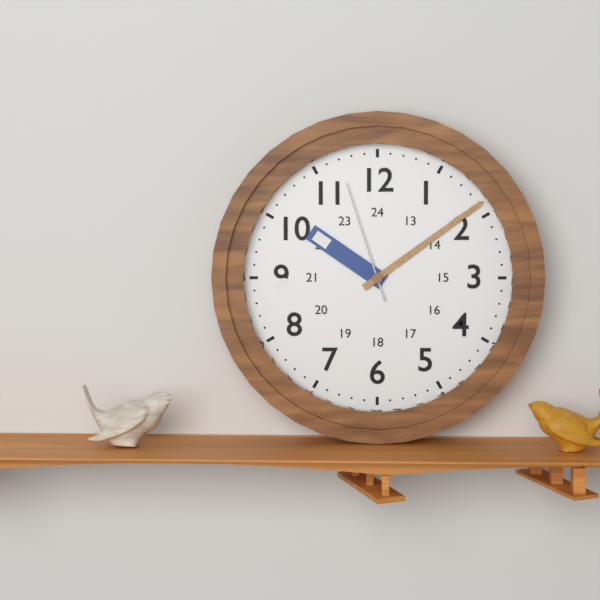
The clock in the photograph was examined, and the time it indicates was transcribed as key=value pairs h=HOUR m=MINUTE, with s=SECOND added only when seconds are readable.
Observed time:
h=10 m=9 s=57
